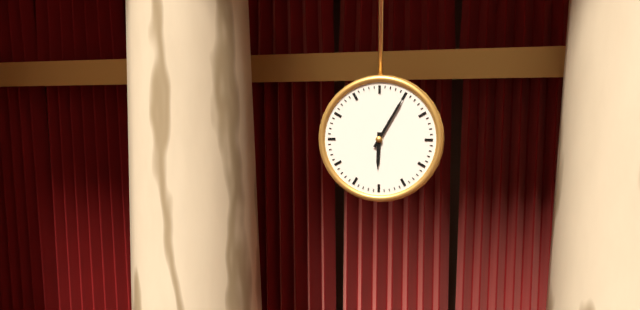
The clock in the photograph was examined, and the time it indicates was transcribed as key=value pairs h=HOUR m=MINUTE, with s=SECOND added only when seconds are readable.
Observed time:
h=6 m=5
